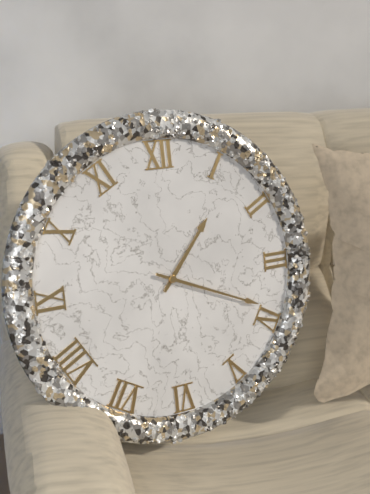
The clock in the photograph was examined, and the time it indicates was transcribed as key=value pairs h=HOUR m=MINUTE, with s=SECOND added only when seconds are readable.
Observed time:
h=1 m=19
